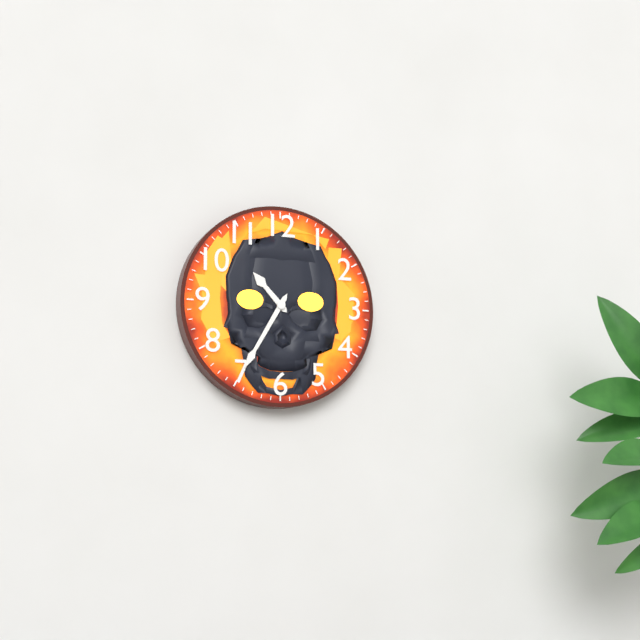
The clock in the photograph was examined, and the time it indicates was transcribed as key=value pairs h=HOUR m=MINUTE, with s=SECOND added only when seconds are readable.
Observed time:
h=10 m=35
